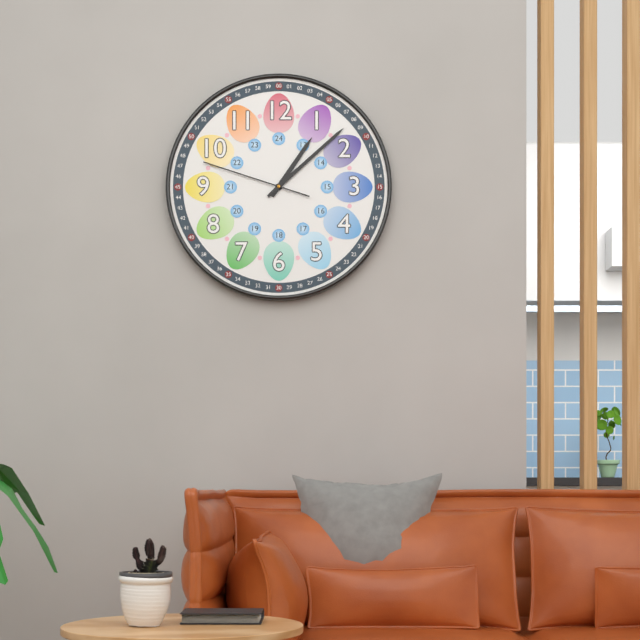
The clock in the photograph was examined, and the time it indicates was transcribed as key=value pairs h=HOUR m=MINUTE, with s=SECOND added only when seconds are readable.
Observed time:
h=1 m=8 s=48
